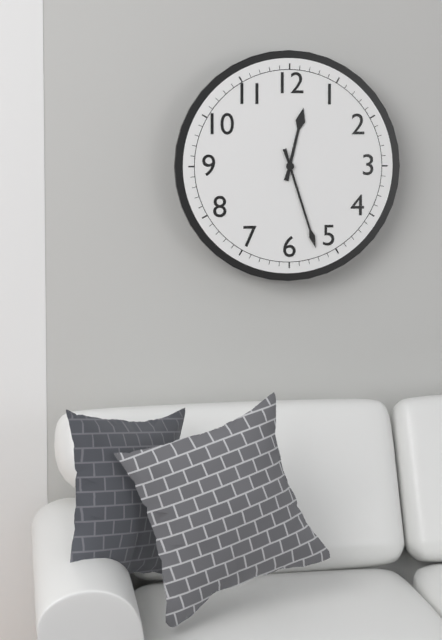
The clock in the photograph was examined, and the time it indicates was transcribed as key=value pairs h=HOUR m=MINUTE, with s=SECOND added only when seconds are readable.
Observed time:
h=12 m=27
